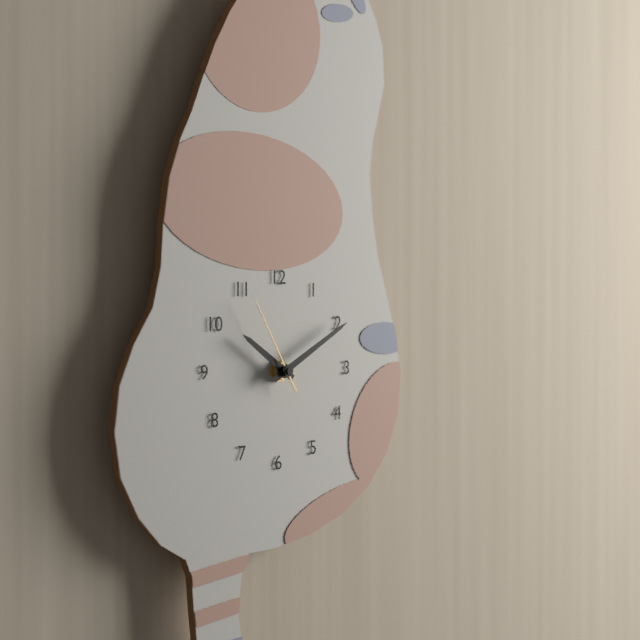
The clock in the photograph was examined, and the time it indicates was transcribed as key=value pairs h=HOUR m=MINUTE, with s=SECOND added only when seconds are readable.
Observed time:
h=10 m=10 s=55
